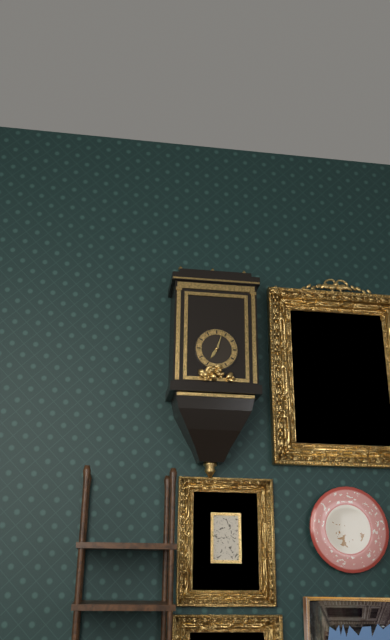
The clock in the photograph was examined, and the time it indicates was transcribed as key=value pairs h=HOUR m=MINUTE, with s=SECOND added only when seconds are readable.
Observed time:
h=7 m=3
